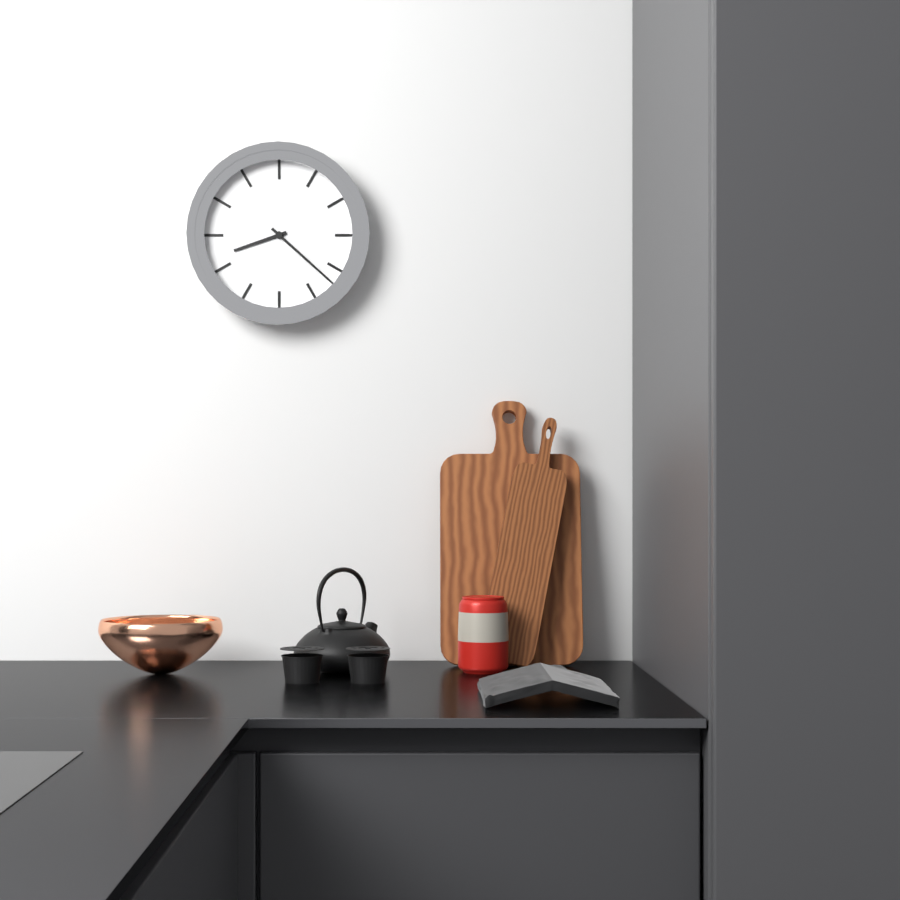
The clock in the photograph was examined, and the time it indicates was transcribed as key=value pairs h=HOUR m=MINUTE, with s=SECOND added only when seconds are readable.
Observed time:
h=8 m=22
